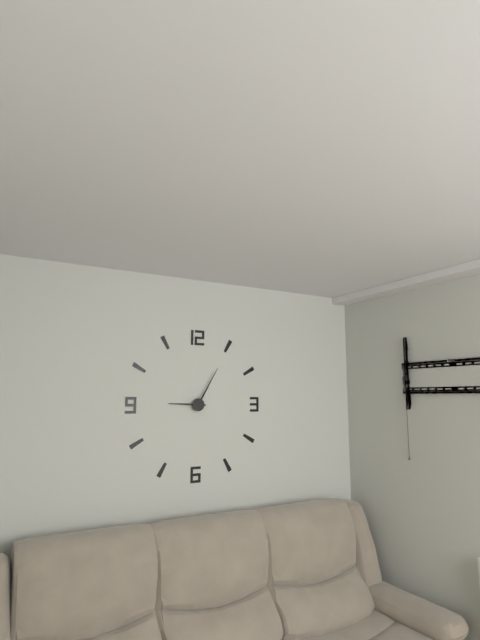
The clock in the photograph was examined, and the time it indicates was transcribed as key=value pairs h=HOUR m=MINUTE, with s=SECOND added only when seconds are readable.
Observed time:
h=9 m=5
